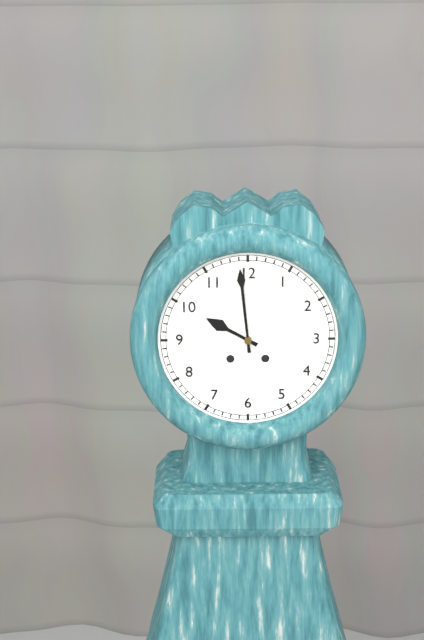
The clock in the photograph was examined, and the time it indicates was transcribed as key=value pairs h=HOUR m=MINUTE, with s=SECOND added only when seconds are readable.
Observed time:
h=9 m=59
